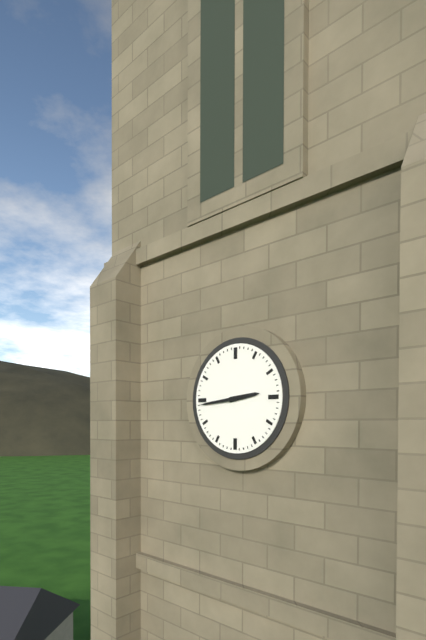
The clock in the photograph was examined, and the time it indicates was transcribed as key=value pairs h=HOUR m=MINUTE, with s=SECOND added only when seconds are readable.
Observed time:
h=2 m=44
